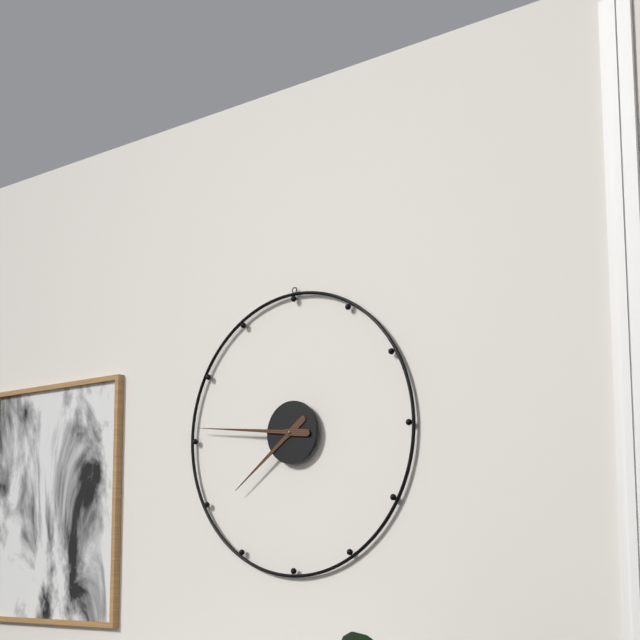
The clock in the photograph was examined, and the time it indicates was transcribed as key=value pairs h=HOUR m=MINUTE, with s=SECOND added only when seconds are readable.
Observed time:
h=7 m=46
